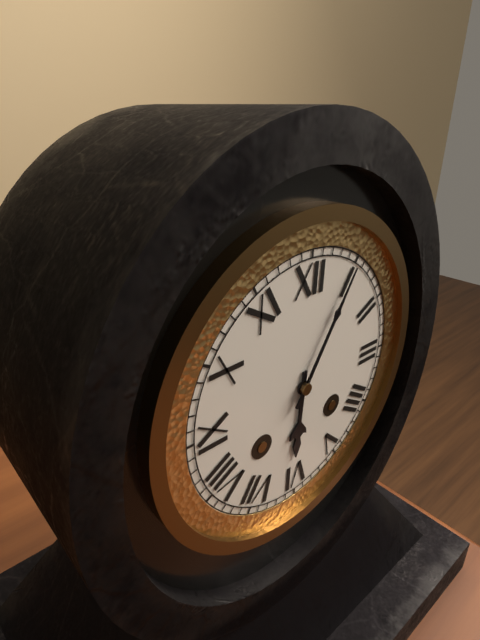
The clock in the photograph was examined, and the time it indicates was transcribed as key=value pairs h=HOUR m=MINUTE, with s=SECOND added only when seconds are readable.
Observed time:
h=6 m=5
